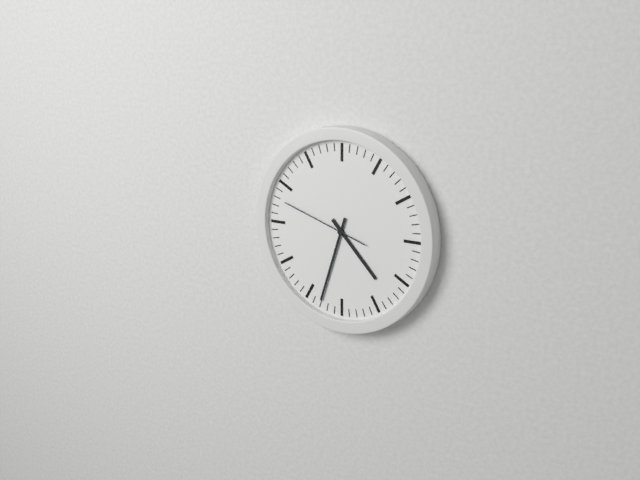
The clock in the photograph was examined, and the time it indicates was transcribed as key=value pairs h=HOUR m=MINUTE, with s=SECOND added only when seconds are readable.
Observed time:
h=4 m=33 s=48
